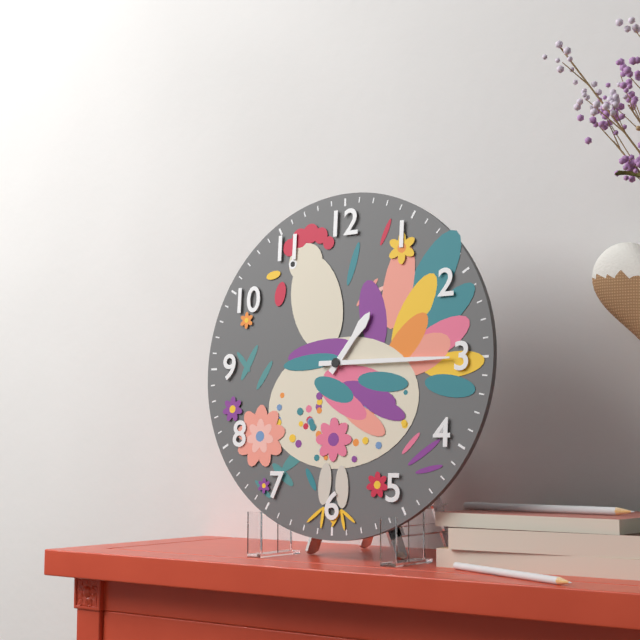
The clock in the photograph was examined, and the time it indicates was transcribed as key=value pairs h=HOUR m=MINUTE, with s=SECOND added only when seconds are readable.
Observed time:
h=1 m=15
